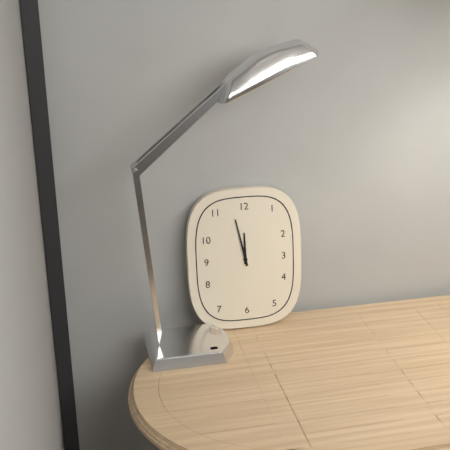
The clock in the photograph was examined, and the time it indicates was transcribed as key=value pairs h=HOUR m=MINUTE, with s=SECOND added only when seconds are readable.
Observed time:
h=11 m=58
